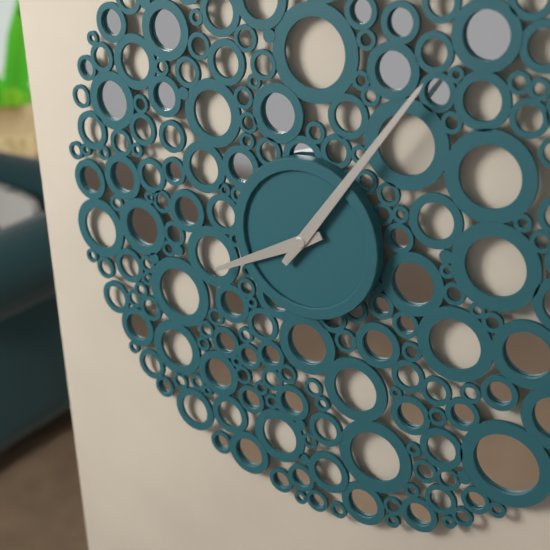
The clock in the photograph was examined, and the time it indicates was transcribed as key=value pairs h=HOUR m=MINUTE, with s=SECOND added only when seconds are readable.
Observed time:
h=8 m=6
